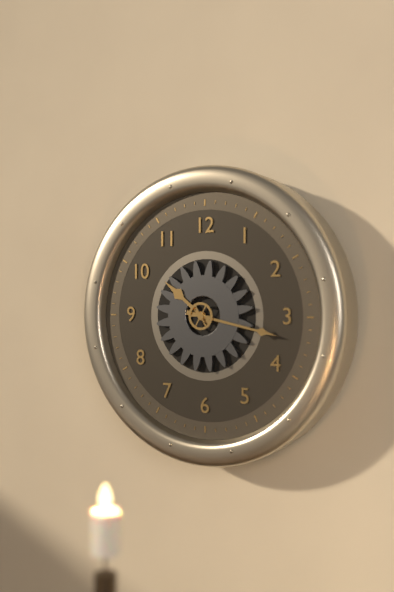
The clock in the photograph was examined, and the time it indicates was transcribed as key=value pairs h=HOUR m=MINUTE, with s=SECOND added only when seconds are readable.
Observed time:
h=10 m=17
